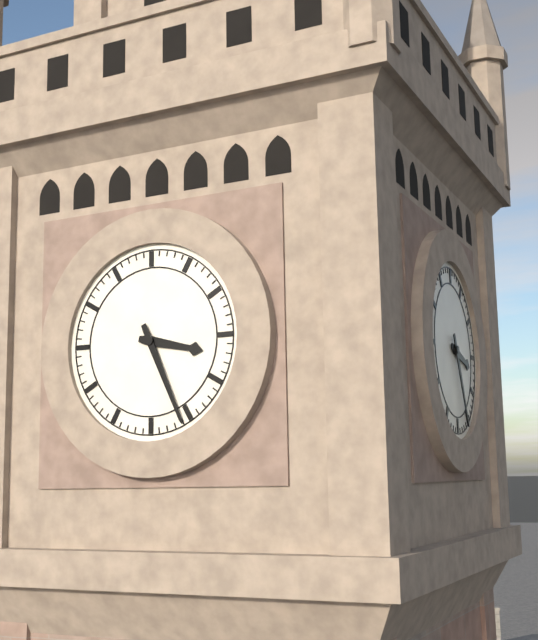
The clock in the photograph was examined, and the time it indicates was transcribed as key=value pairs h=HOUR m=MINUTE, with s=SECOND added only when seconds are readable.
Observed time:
h=3 m=26
